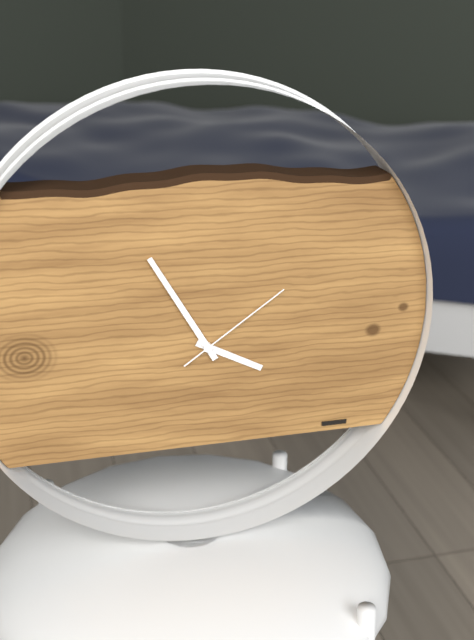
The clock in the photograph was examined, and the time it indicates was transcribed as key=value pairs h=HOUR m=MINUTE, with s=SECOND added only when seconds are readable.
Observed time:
h=3 m=55 s=9
